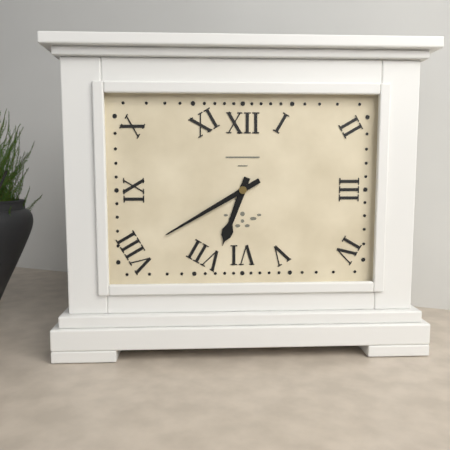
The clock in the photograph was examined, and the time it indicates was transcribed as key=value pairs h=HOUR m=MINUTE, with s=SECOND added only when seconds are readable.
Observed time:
h=6 m=40
